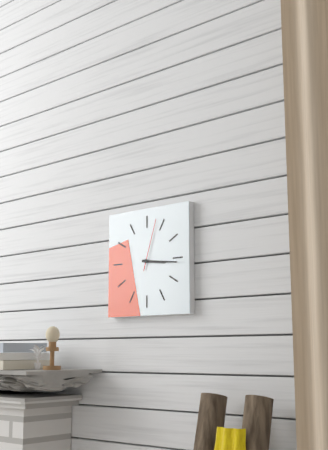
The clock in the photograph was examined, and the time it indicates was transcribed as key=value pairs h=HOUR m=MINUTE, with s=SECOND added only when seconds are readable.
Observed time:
h=3 m=16 s=3
